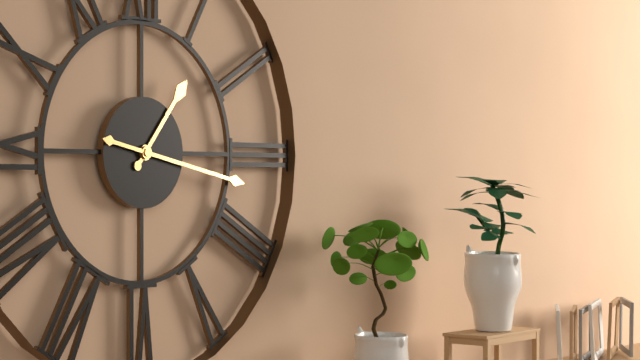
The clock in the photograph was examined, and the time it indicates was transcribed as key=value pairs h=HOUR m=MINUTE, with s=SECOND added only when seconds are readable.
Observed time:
h=1 m=17
